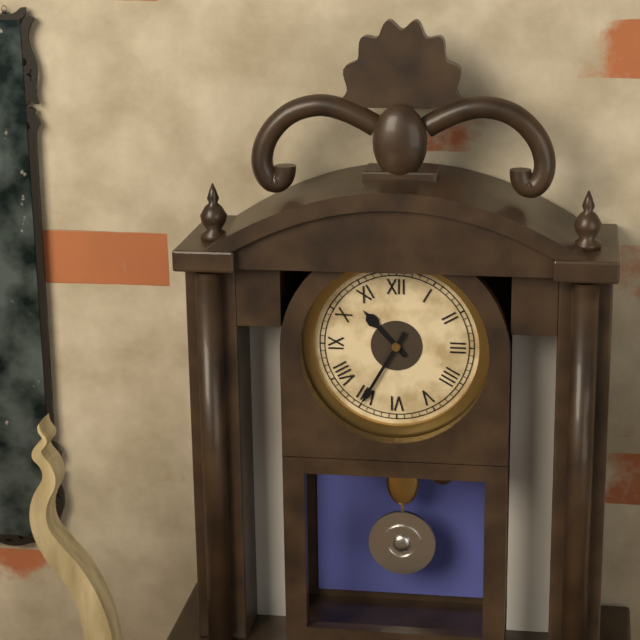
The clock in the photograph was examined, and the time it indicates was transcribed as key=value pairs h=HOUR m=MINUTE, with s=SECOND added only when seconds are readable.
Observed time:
h=10 m=35
